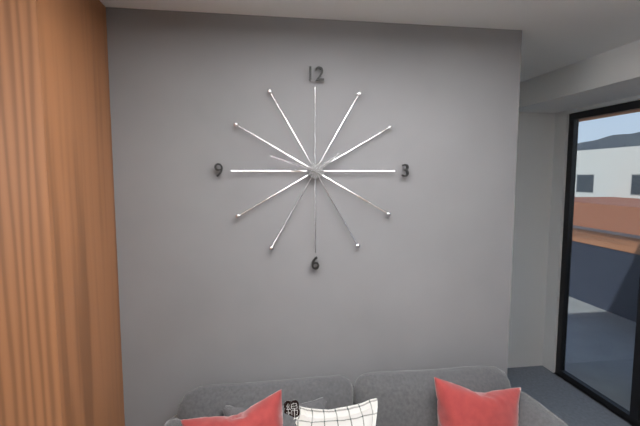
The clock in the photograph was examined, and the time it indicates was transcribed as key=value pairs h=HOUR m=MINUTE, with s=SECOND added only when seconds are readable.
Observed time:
h=1 m=48
